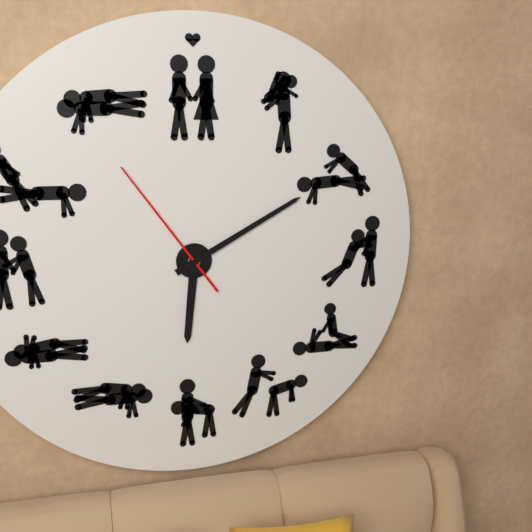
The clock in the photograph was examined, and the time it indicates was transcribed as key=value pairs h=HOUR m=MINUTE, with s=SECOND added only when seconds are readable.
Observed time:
h=6 m=10 s=54
